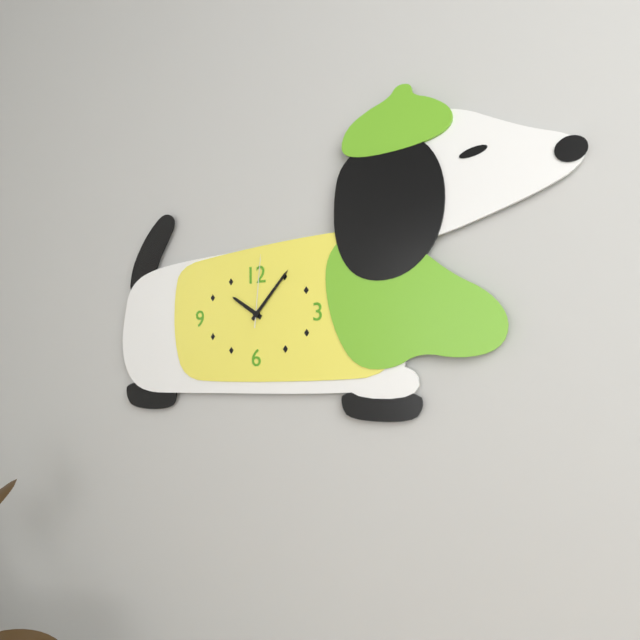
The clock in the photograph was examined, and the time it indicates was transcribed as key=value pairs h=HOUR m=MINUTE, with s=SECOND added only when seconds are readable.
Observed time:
h=10 m=7 s=1
